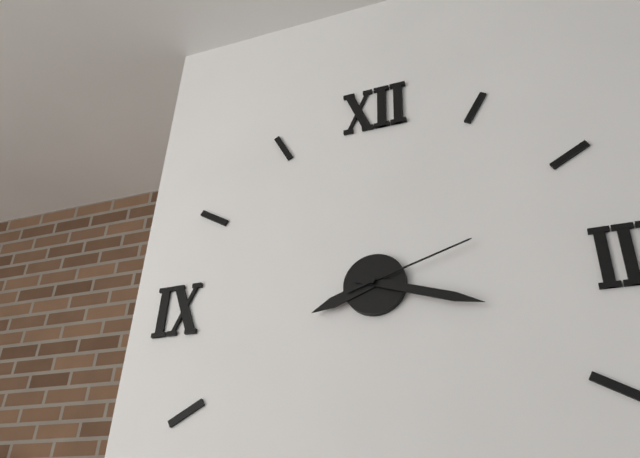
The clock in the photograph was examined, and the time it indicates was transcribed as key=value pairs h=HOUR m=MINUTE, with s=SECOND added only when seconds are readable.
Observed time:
h=8 m=18 s=12
